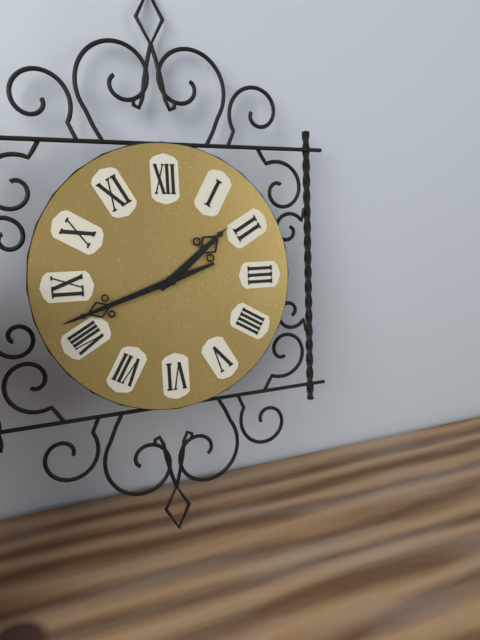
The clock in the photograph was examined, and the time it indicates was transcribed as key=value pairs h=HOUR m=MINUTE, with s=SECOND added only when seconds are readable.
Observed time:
h=1 m=42
